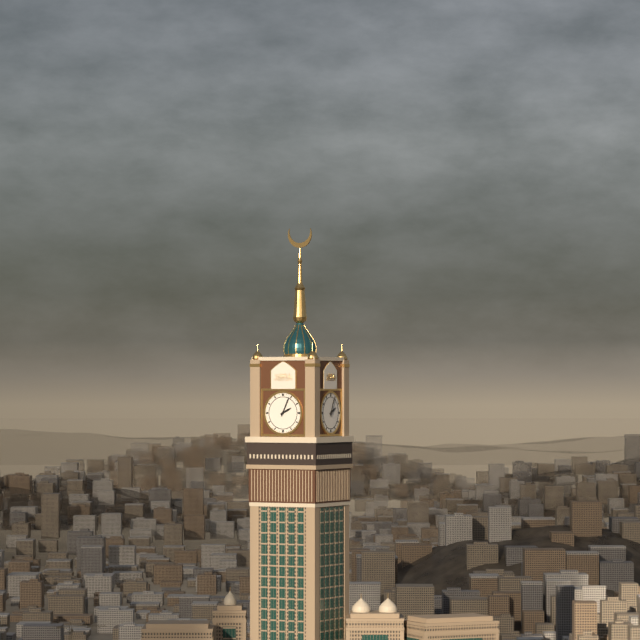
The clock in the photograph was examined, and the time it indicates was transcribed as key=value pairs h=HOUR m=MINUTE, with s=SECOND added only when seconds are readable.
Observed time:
h=2 m=4
